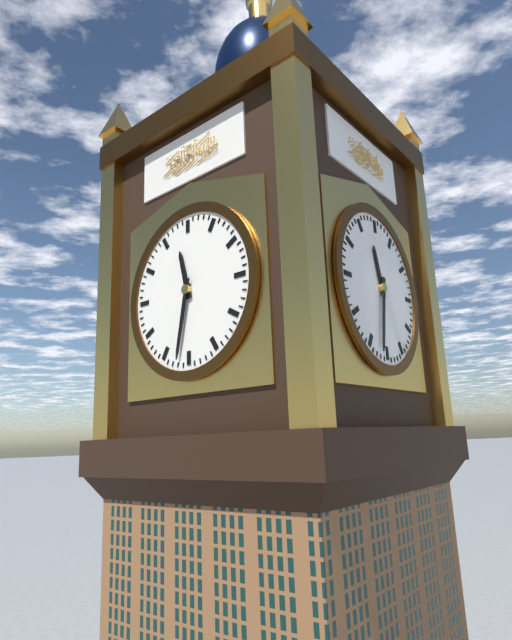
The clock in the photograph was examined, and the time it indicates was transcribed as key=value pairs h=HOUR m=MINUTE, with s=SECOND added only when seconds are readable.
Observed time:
h=11 m=32
